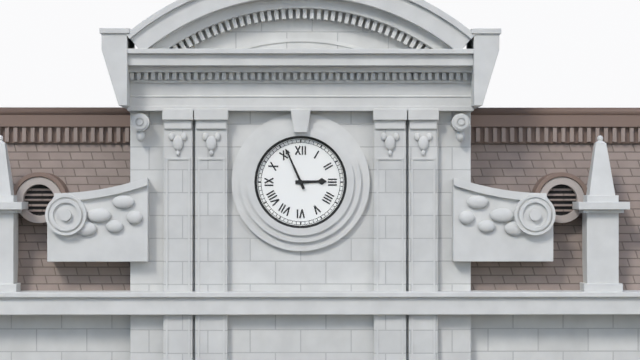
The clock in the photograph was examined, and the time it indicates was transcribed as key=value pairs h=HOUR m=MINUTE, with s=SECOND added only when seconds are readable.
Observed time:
h=2 m=56
